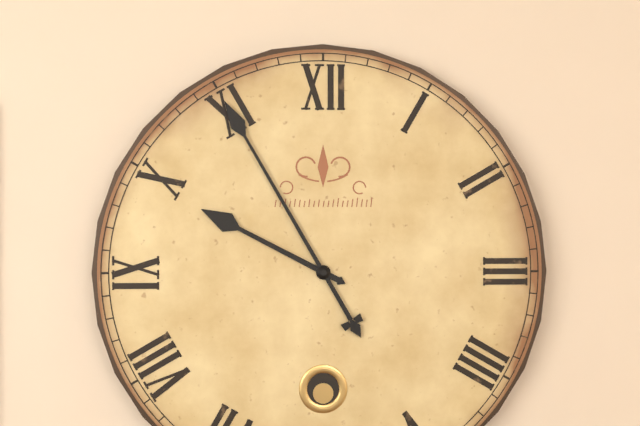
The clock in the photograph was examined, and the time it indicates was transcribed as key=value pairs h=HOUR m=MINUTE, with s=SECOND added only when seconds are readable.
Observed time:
h=9 m=55
